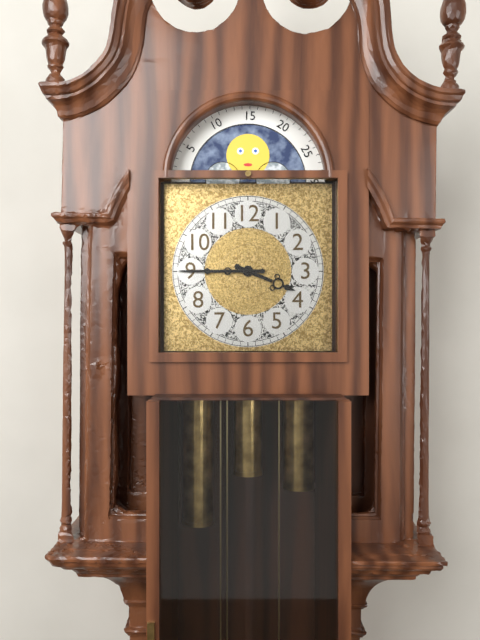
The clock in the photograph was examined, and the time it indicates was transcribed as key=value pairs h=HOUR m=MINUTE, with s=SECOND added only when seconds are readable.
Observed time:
h=3 m=45
